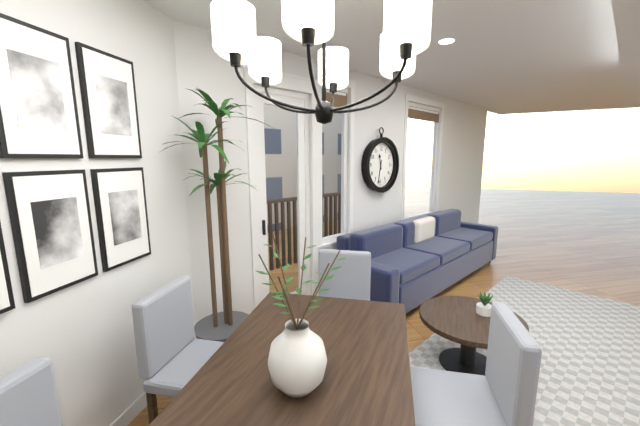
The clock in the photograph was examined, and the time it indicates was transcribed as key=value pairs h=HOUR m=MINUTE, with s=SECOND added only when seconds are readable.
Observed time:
h=11 m=32
